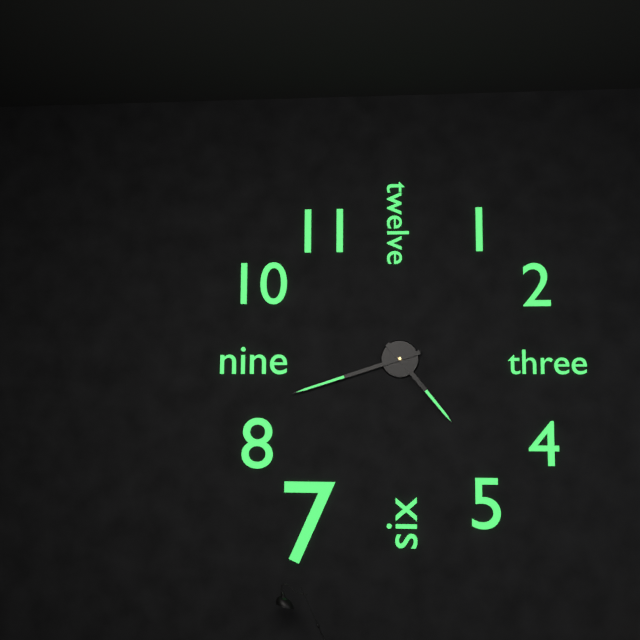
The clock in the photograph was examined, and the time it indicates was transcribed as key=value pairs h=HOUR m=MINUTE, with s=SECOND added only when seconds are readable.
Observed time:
h=4 m=42
